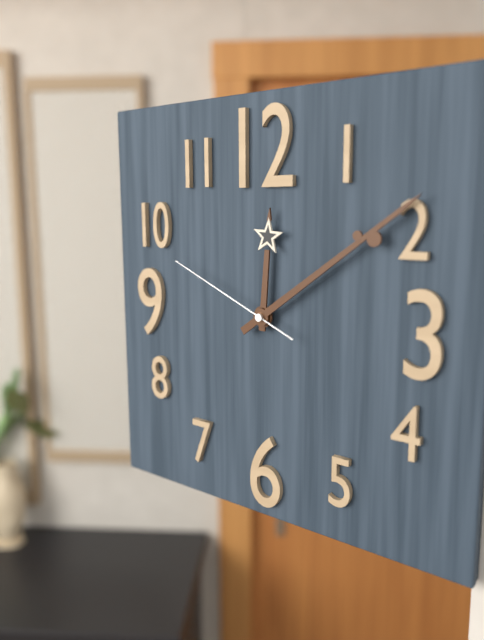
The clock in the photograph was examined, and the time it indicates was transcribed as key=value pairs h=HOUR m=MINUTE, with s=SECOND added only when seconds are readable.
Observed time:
h=12 m=9 s=49
